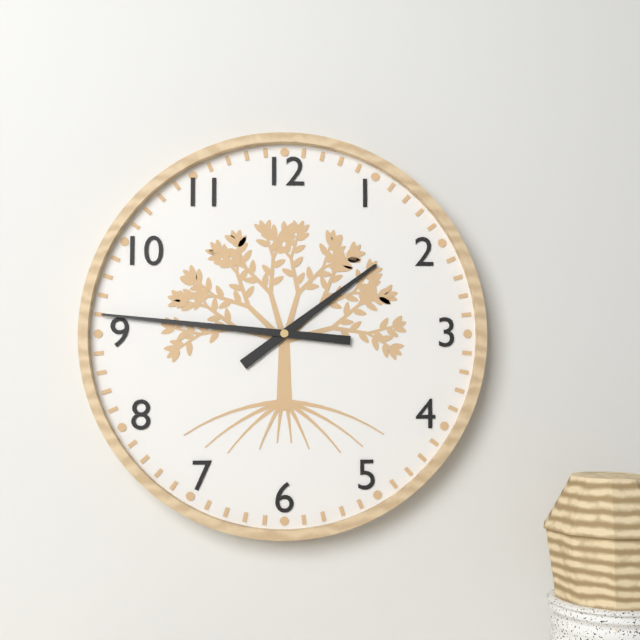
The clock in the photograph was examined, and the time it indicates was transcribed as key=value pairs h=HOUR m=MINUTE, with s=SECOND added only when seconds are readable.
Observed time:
h=1 m=46
